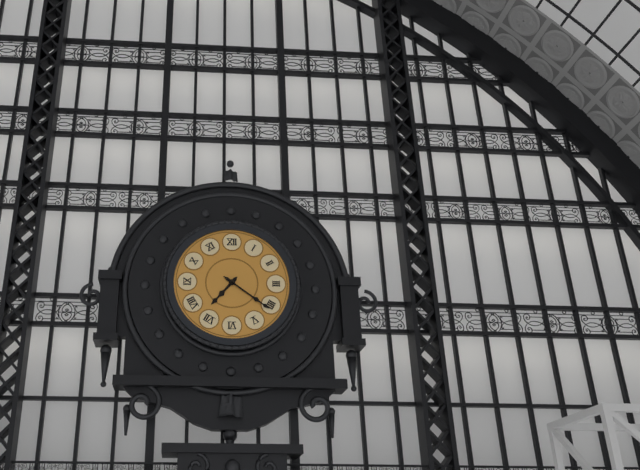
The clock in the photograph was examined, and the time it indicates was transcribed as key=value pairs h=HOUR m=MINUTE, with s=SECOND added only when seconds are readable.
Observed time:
h=7 m=21
